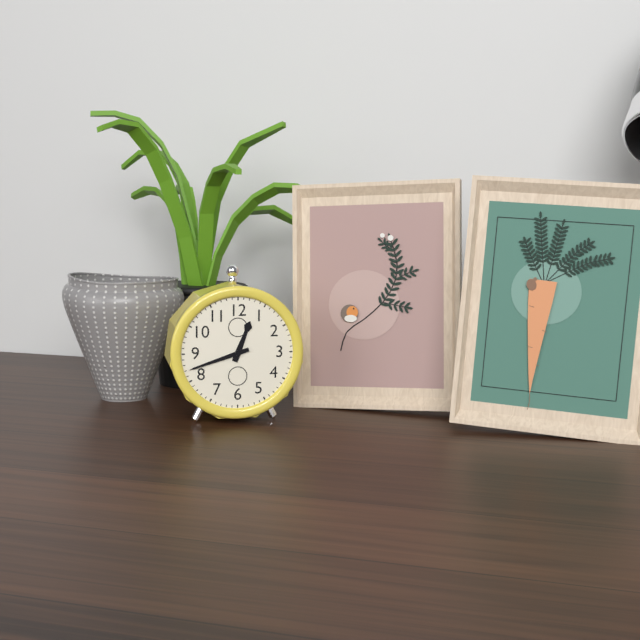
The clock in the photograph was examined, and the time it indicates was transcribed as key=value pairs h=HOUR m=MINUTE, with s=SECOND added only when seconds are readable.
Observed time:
h=12 m=42
